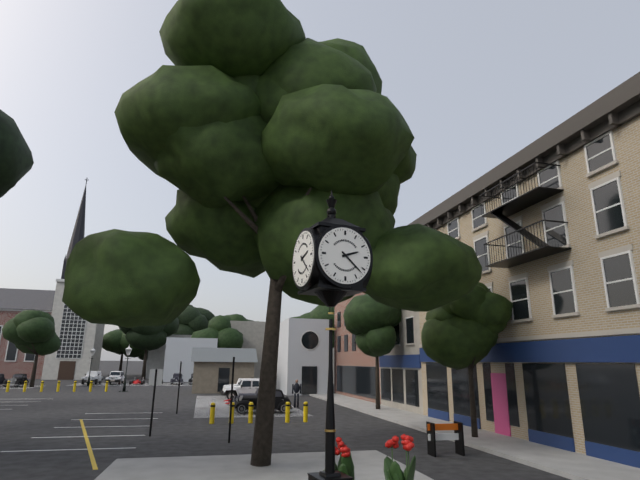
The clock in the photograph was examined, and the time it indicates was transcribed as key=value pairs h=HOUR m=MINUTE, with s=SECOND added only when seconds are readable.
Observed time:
h=2 m=22
